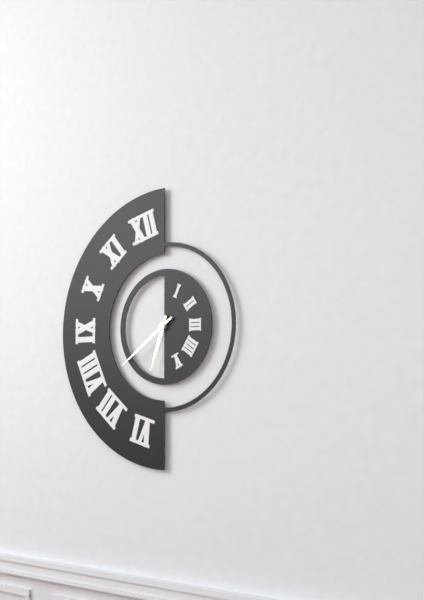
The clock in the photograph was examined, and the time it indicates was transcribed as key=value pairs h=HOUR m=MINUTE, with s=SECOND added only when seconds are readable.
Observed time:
h=6 m=39
